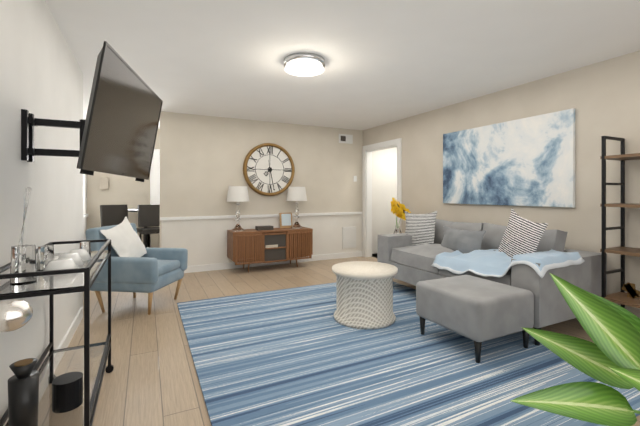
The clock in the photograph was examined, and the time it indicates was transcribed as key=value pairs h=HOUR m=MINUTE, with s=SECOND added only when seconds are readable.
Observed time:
h=7 m=28
